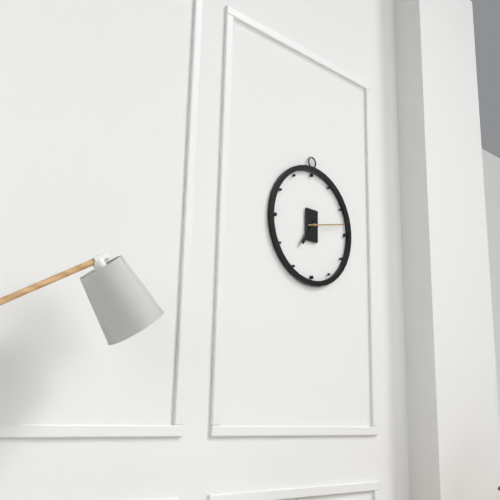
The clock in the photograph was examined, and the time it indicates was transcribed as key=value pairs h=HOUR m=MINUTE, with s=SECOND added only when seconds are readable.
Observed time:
h=7 m=13
